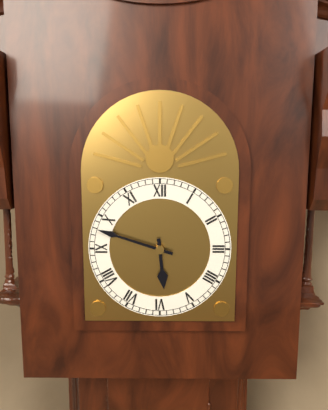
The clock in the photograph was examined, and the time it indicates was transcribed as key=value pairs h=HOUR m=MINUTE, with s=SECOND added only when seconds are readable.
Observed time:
h=5 m=48
